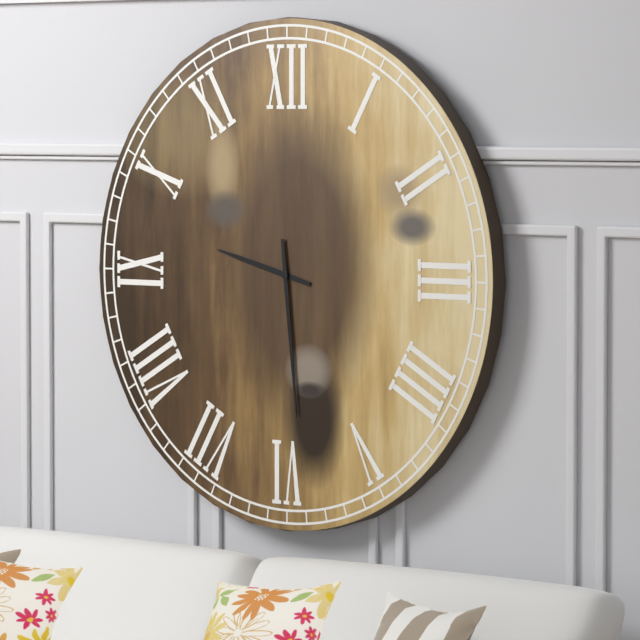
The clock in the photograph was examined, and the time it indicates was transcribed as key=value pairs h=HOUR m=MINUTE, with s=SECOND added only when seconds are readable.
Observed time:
h=9 m=29
